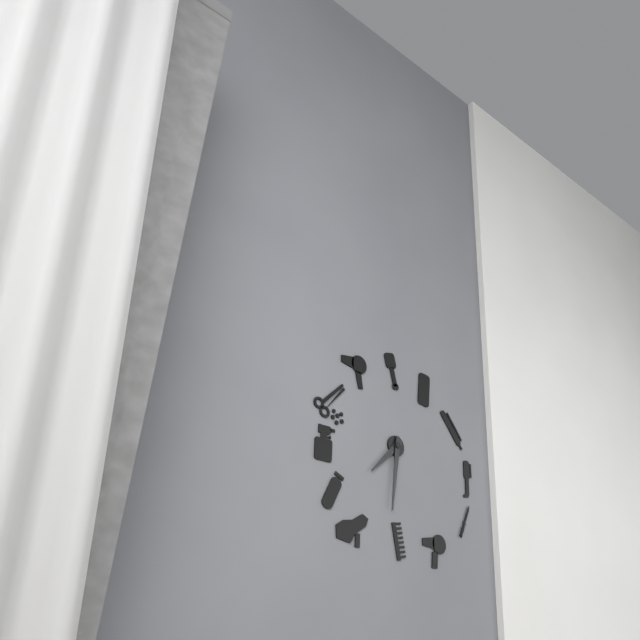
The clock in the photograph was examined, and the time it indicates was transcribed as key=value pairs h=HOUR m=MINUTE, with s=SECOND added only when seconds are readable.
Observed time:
h=7 m=31
